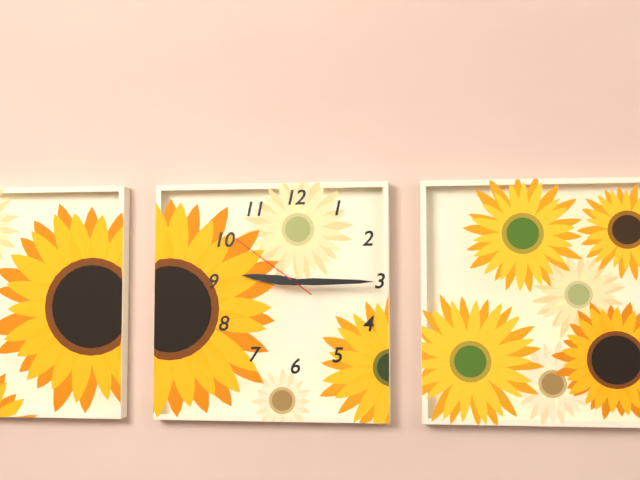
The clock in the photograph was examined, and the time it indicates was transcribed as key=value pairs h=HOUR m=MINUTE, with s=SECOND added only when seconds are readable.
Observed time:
h=9 m=15 s=51
